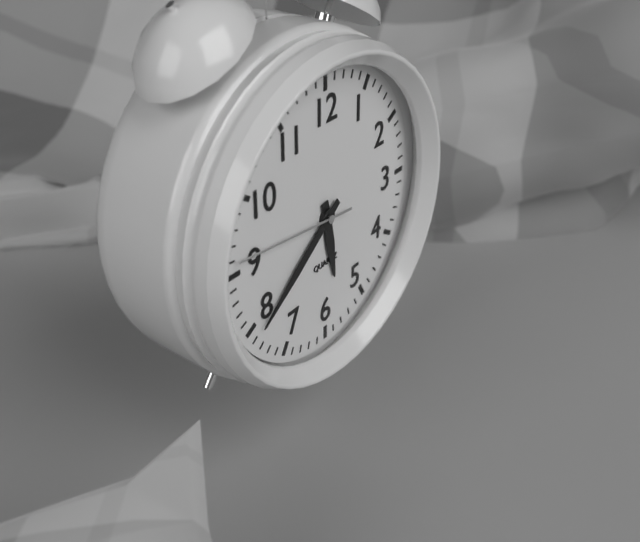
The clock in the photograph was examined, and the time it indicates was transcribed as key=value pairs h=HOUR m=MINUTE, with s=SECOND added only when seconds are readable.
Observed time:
h=5 m=39 s=46
